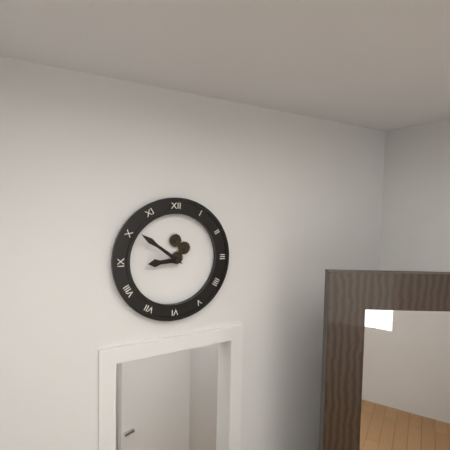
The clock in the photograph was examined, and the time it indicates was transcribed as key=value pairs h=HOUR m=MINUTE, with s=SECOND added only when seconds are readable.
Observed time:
h=8 m=51
